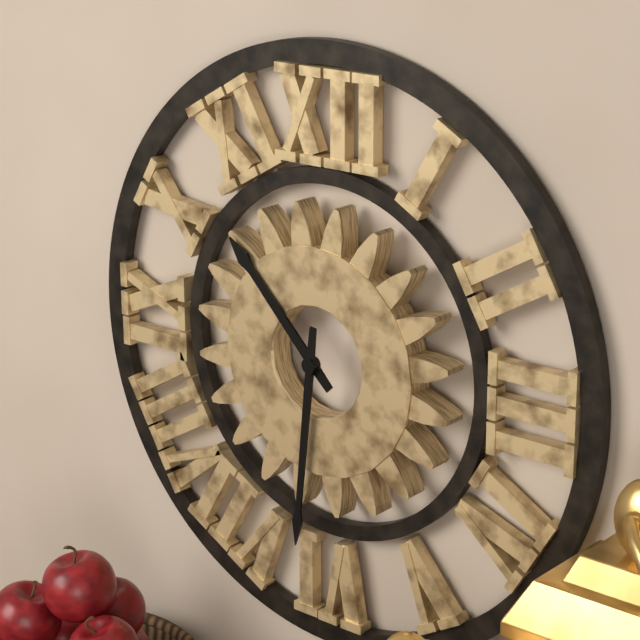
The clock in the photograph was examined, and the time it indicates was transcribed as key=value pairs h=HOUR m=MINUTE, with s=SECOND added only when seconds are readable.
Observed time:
h=10 m=31
